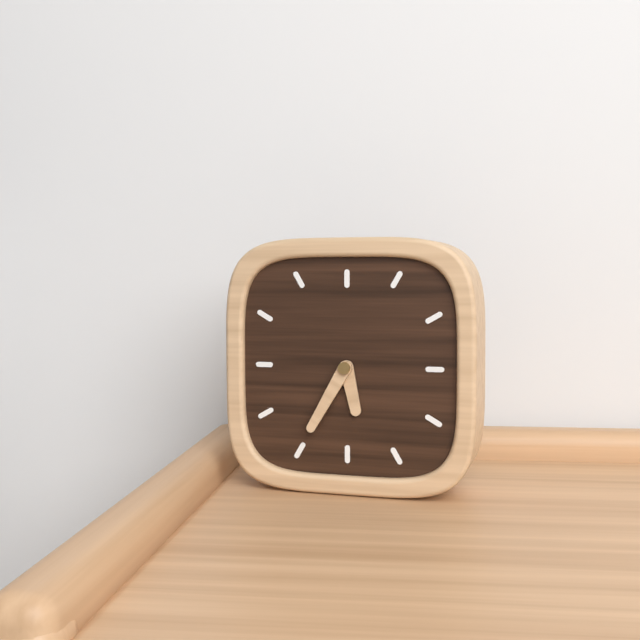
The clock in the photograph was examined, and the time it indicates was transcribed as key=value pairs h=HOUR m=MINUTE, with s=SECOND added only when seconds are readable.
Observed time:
h=5 m=35
